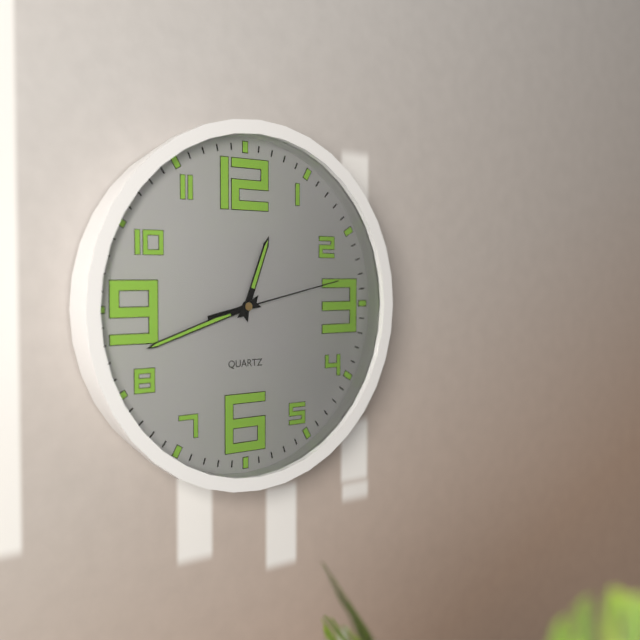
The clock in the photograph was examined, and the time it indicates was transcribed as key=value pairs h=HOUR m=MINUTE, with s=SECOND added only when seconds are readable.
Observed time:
h=12 m=42 s=13
